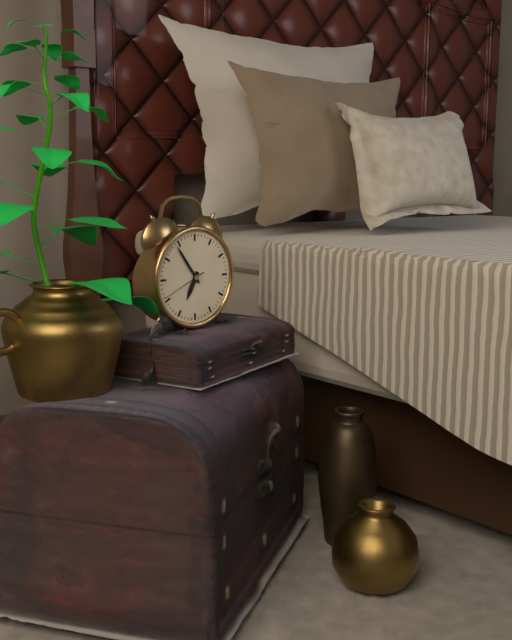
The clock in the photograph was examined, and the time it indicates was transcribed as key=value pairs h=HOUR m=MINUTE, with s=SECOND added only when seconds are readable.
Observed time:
h=6 m=54
